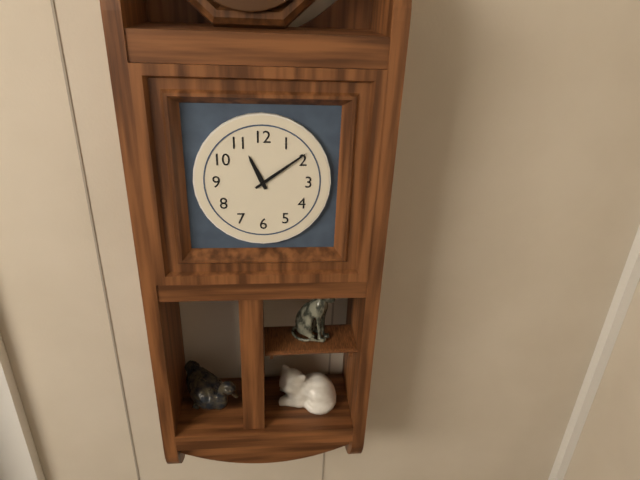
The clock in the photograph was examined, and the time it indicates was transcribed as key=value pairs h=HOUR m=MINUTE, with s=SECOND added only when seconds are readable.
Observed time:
h=11 m=9
